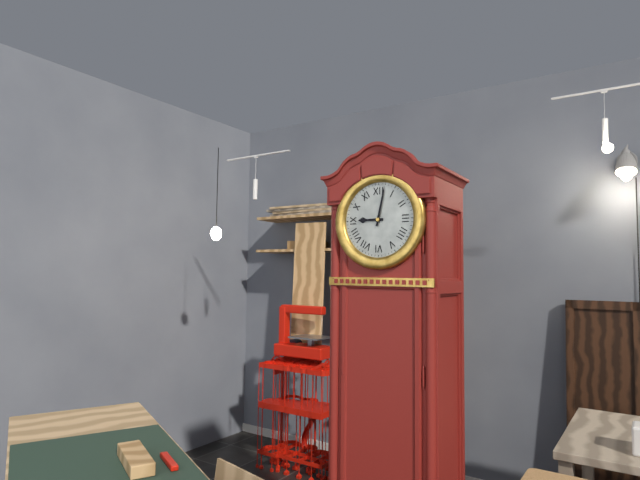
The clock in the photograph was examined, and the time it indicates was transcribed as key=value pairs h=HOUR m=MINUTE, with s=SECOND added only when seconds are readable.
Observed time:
h=9 m=2
